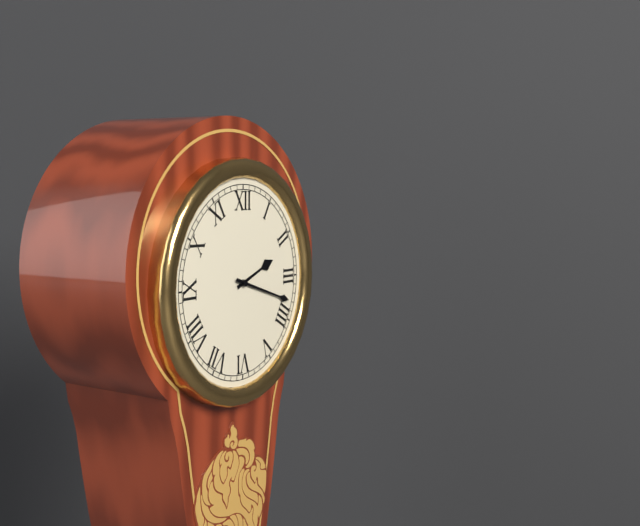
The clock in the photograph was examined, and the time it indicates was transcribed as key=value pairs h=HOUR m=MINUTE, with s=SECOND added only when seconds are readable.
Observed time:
h=2 m=18
